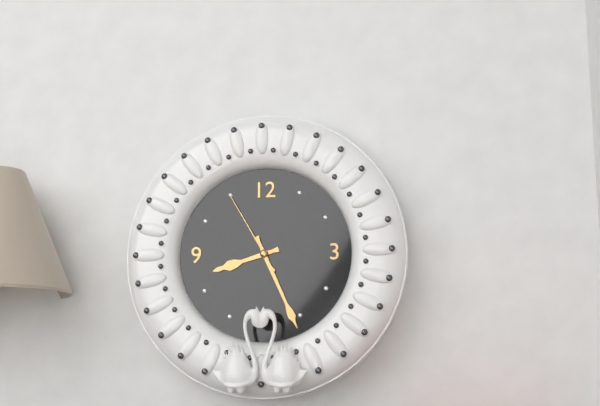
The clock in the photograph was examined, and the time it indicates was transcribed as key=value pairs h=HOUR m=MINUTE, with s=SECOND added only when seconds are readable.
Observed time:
h=8 m=26 s=55
